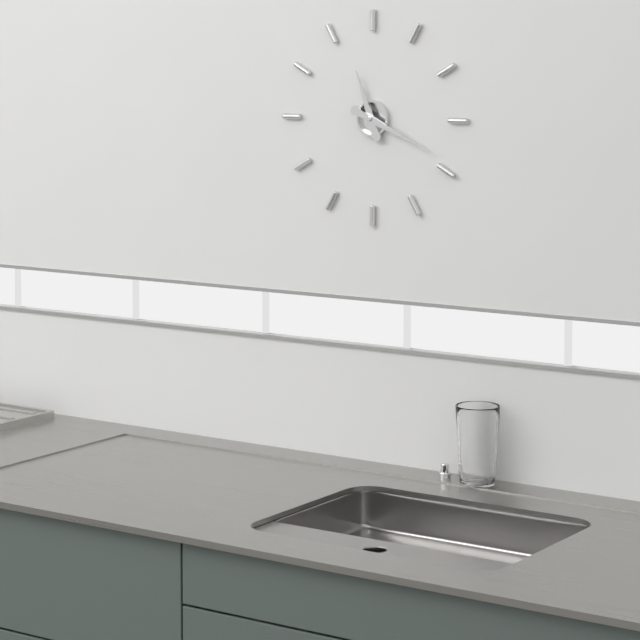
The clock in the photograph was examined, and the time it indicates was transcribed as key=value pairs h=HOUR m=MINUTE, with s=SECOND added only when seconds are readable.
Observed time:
h=11 m=19
